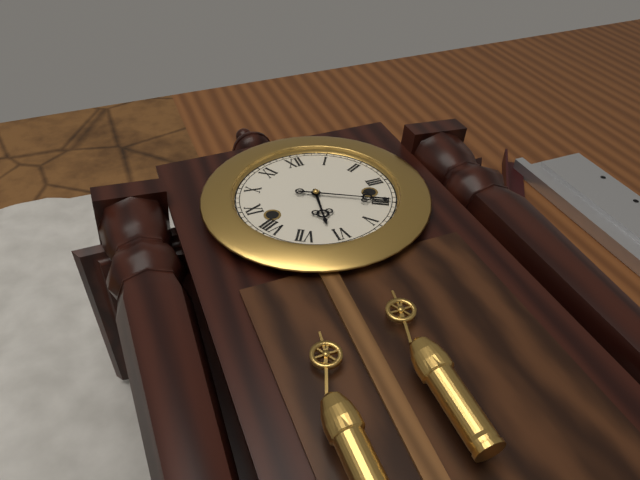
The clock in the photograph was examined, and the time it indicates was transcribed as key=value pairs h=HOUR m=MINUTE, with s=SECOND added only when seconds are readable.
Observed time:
h=6 m=20
